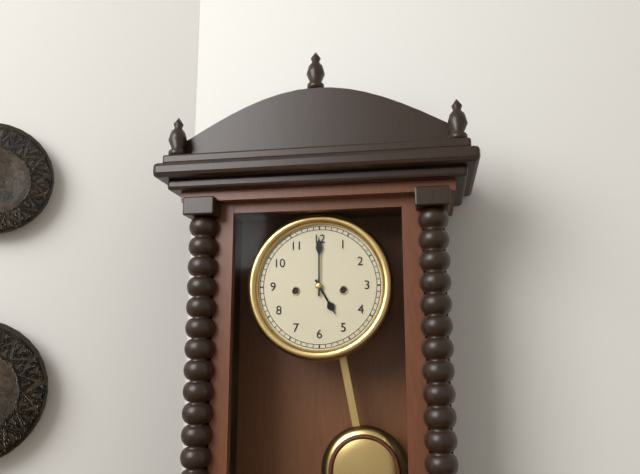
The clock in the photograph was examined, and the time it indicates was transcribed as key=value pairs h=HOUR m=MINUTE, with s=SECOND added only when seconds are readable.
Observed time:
h=5 m=0
